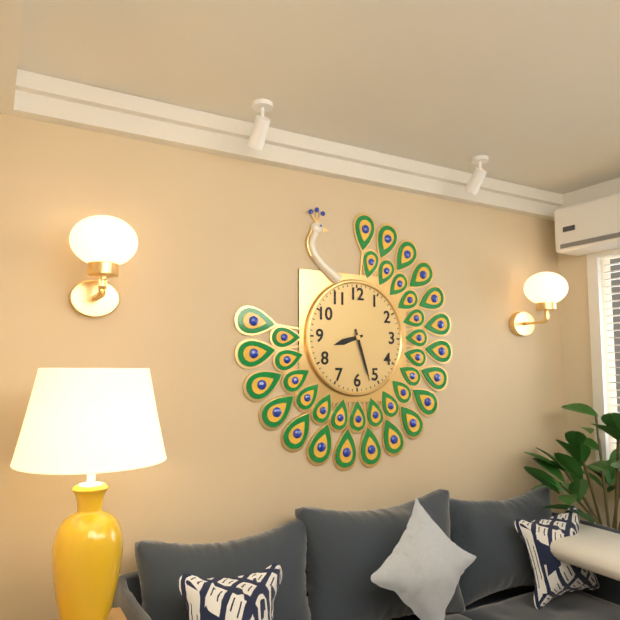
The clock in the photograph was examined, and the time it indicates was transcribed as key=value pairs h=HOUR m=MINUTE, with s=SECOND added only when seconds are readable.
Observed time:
h=8 m=27
